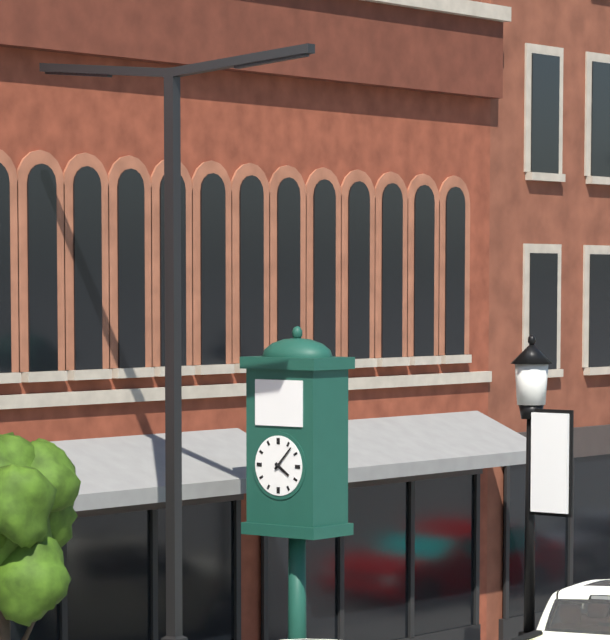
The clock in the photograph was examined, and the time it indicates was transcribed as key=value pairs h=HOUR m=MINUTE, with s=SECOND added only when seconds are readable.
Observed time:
h=4 m=7
